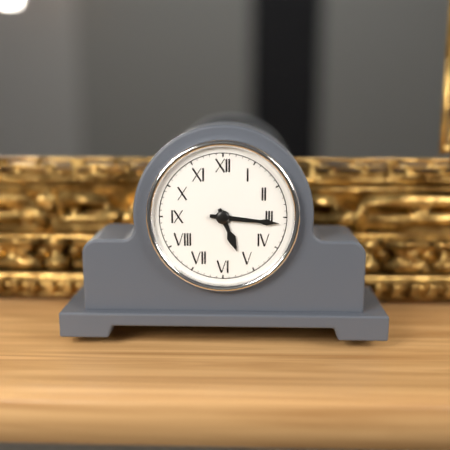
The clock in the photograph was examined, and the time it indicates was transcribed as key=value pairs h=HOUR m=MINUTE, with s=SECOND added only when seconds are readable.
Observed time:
h=5 m=16
